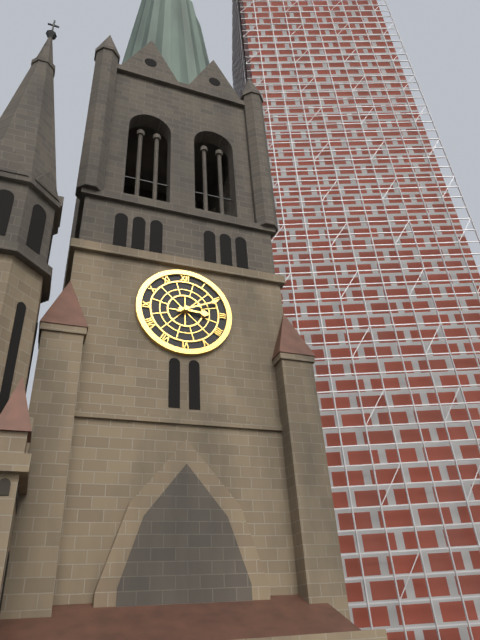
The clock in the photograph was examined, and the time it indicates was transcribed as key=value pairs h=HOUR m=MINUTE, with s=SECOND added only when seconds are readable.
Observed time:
h=3 m=11
